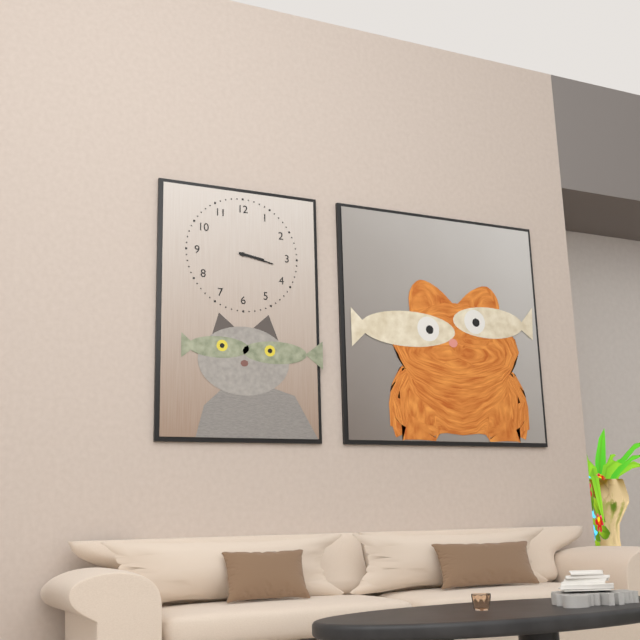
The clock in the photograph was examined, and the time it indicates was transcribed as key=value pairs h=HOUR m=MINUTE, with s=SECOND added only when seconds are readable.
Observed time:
h=3 m=17
